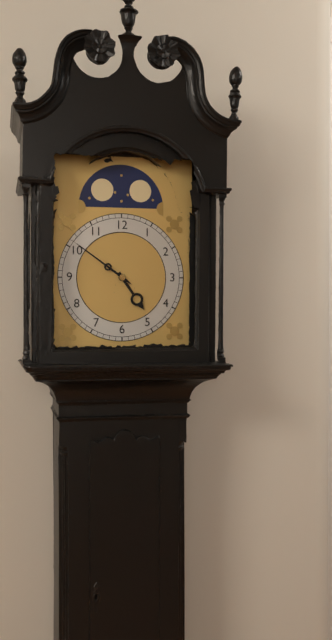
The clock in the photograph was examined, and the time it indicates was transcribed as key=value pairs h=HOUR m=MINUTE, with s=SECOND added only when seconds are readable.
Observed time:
h=4 m=51
